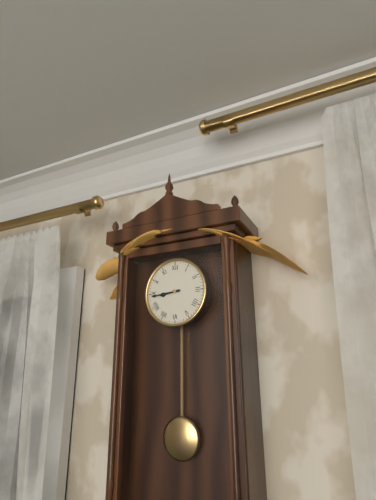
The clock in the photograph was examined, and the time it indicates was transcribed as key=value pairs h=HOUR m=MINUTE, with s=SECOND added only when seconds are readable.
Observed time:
h=8 m=44
